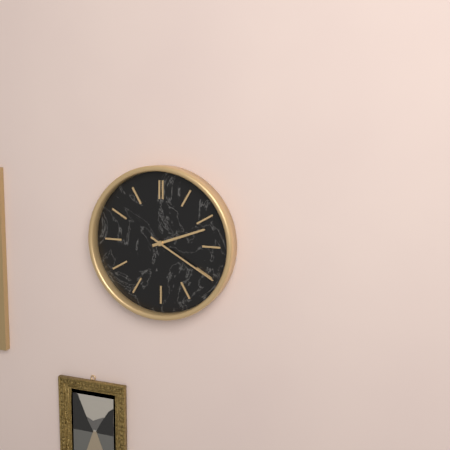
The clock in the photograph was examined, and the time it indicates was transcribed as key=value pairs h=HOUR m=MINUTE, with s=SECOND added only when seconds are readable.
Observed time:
h=2 m=20
